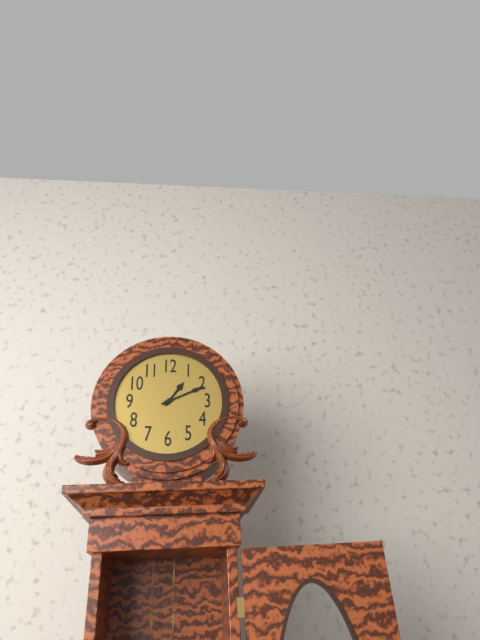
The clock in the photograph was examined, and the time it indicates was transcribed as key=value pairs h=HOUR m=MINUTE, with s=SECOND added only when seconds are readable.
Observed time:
h=1 m=11
